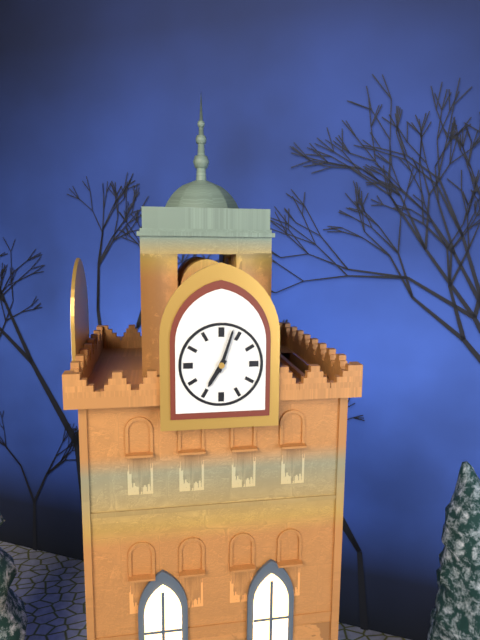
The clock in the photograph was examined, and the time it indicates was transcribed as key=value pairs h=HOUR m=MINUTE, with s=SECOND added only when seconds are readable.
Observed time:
h=7 m=3
